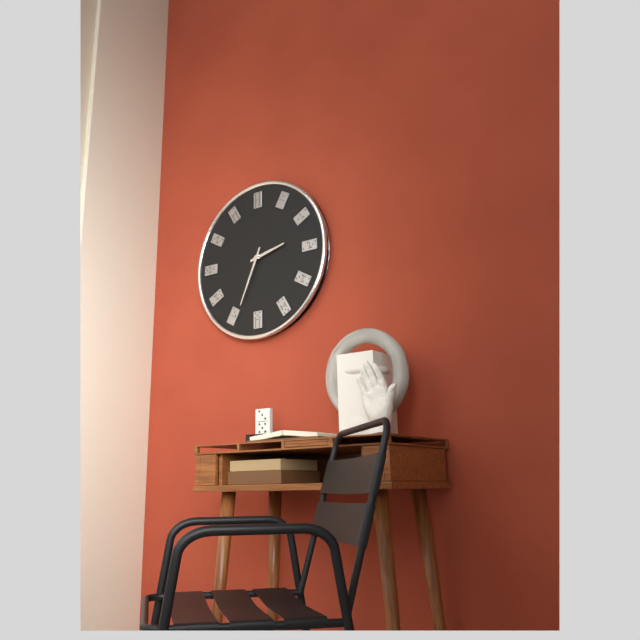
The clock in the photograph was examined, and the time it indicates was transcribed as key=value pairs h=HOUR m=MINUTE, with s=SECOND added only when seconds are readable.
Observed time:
h=2 m=34
